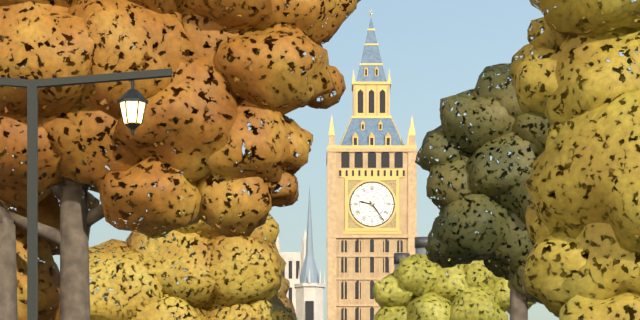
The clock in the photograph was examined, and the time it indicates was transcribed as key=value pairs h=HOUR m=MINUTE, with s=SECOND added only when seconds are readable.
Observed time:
h=9 m=24
